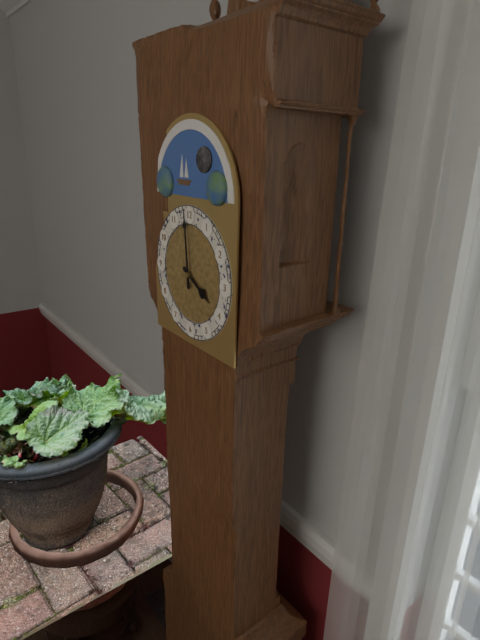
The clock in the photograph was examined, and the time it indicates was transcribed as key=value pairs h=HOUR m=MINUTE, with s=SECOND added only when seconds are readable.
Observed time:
h=3 m=59
